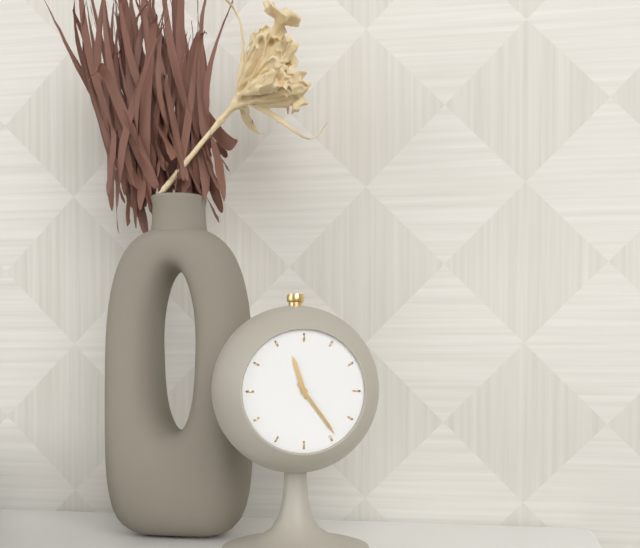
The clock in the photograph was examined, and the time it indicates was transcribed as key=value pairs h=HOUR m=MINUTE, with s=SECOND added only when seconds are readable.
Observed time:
h=11 m=24
